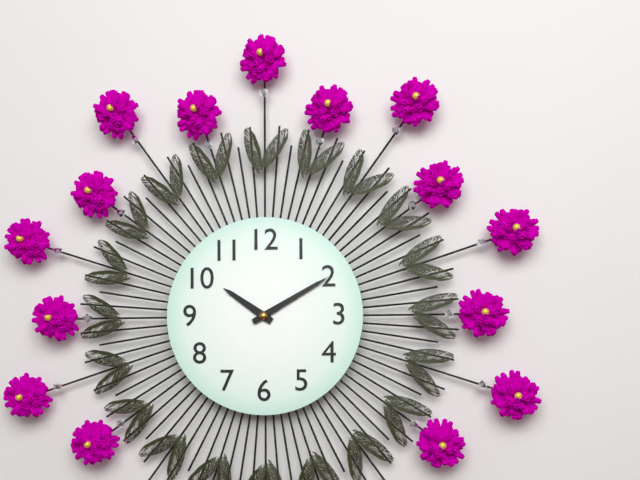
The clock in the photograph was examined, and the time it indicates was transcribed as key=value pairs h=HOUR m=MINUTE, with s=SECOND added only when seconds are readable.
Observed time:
h=10 m=10
